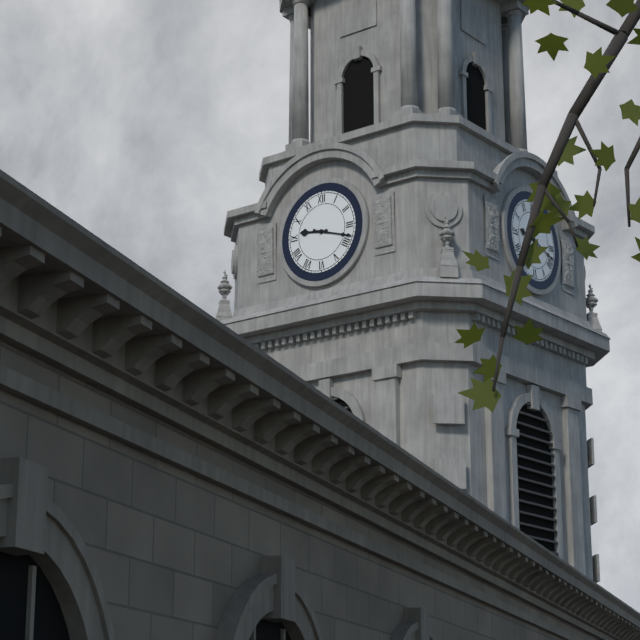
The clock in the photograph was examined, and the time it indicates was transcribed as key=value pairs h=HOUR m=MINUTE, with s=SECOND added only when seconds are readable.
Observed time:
h=9 m=18
